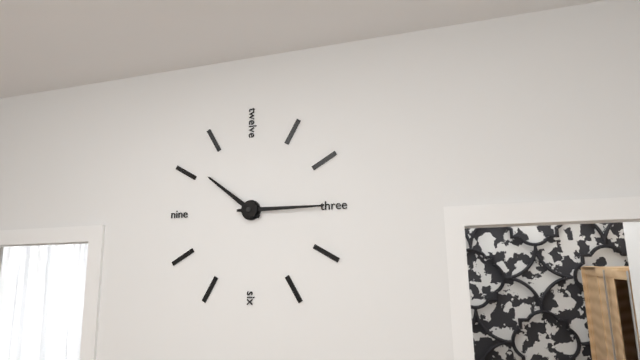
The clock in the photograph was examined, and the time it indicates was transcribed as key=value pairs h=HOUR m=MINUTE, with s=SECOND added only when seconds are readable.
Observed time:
h=10 m=15
